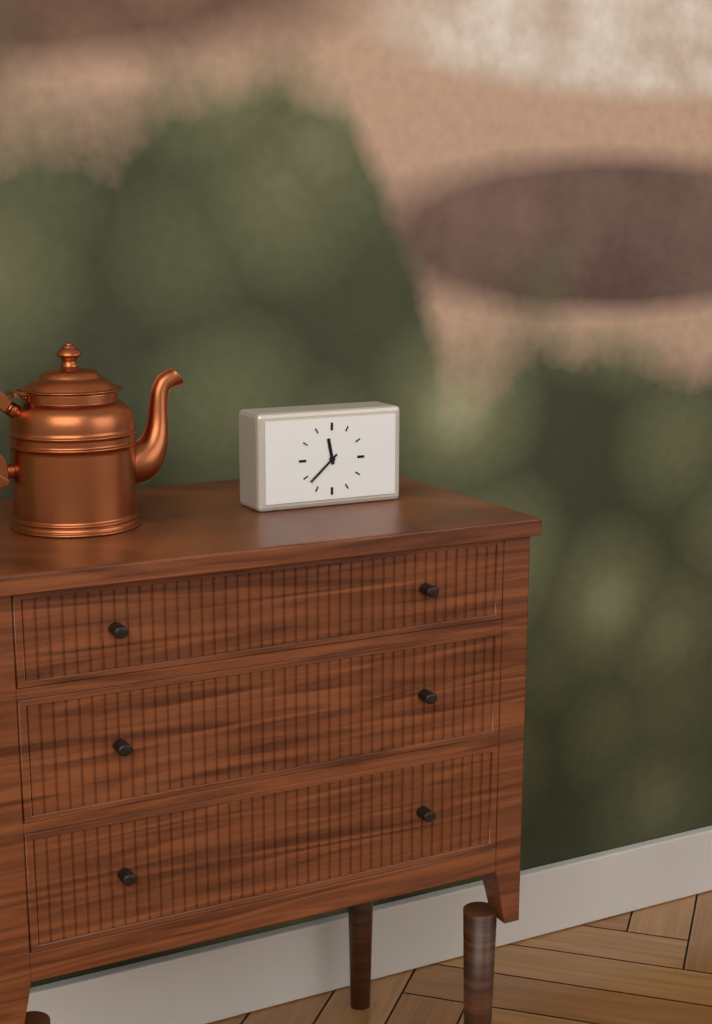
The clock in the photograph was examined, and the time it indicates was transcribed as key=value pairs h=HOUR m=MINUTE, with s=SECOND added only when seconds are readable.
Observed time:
h=11 m=38
